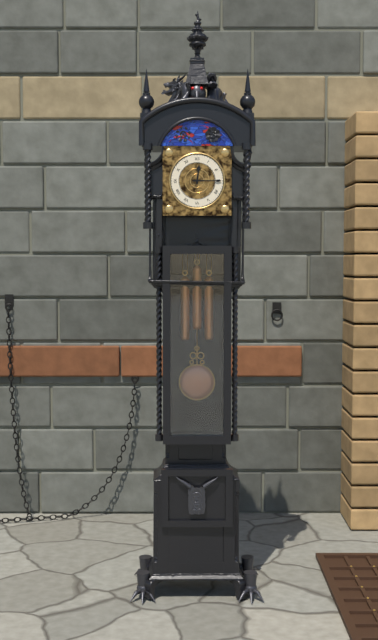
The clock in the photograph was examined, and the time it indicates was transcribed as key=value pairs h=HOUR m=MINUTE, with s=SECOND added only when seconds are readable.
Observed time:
h=12 m=15
